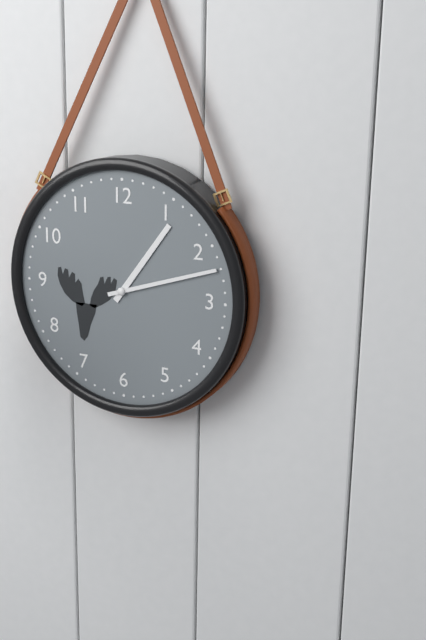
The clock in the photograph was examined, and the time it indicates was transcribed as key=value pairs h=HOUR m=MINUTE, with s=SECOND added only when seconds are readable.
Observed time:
h=1 m=12
